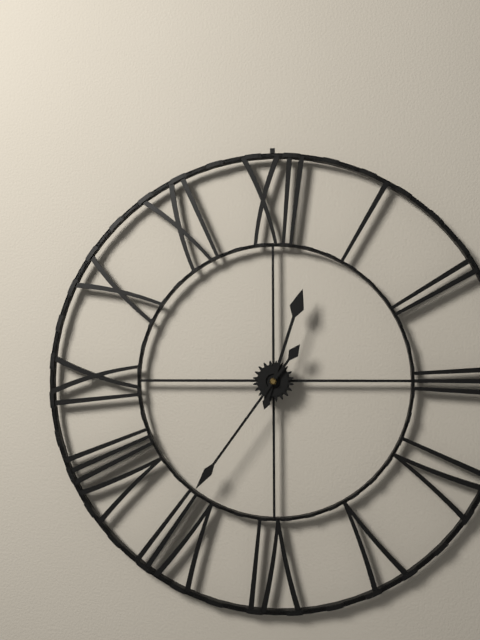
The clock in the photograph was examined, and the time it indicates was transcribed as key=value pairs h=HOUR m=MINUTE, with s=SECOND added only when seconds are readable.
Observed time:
h=12 m=36
